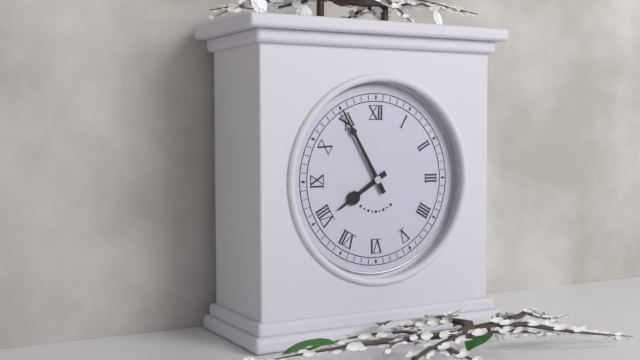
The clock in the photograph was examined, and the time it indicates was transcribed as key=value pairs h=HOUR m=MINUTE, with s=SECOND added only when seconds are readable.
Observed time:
h=7 m=55
